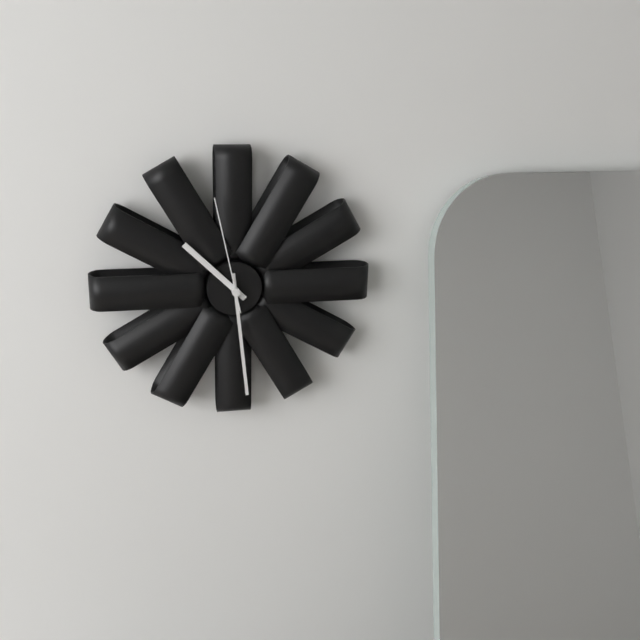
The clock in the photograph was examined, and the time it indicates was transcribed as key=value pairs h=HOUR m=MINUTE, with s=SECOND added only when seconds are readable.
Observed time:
h=10 m=29 s=58
